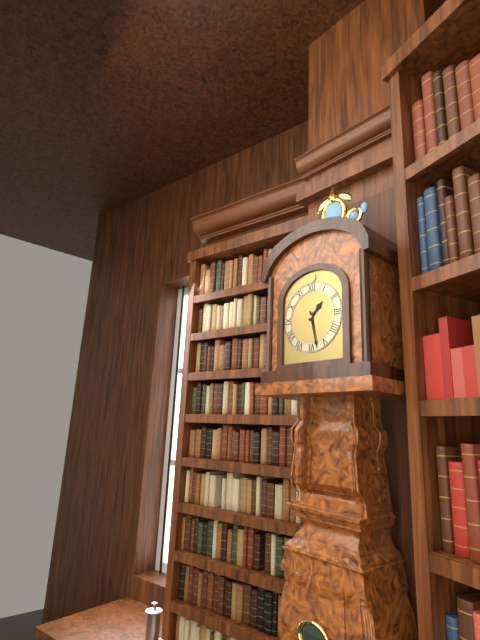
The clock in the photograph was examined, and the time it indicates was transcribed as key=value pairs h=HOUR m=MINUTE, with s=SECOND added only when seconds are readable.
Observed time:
h=1 m=28
